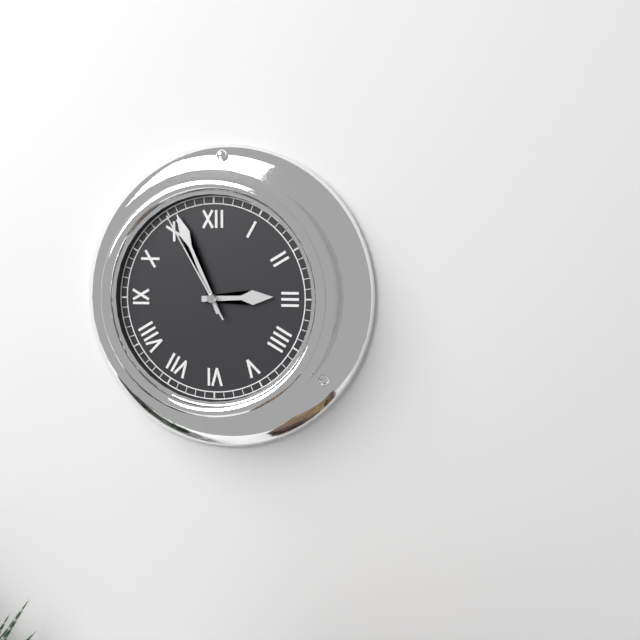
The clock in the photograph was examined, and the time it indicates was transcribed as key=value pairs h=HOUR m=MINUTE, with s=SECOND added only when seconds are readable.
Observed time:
h=2 m=56 s=55
